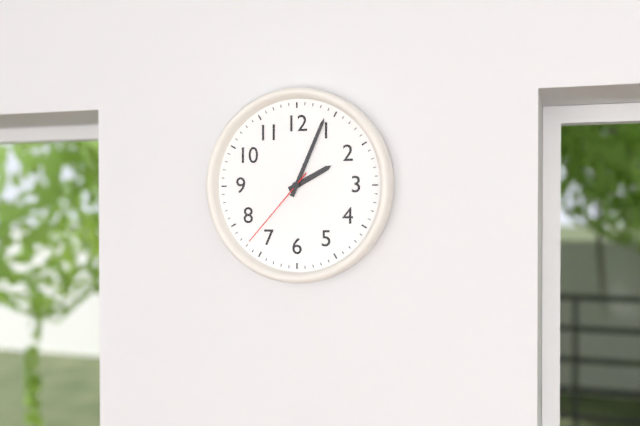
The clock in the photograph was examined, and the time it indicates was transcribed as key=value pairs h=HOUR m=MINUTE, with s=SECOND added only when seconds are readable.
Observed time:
h=2 m=4 s=37
